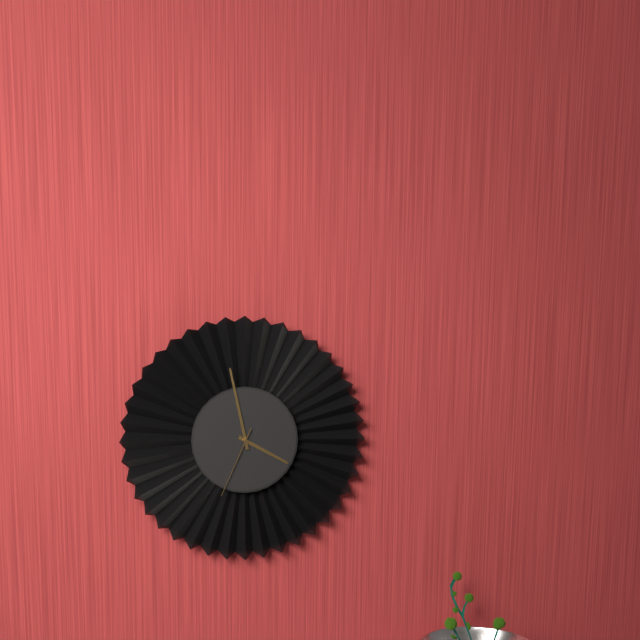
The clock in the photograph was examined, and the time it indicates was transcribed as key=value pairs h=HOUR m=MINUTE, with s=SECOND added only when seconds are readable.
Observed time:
h=3 m=58 s=34
